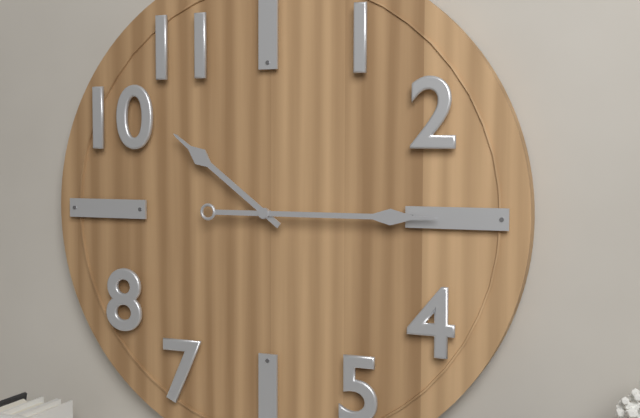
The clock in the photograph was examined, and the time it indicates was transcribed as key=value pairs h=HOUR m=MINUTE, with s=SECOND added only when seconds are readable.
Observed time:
h=10 m=15
